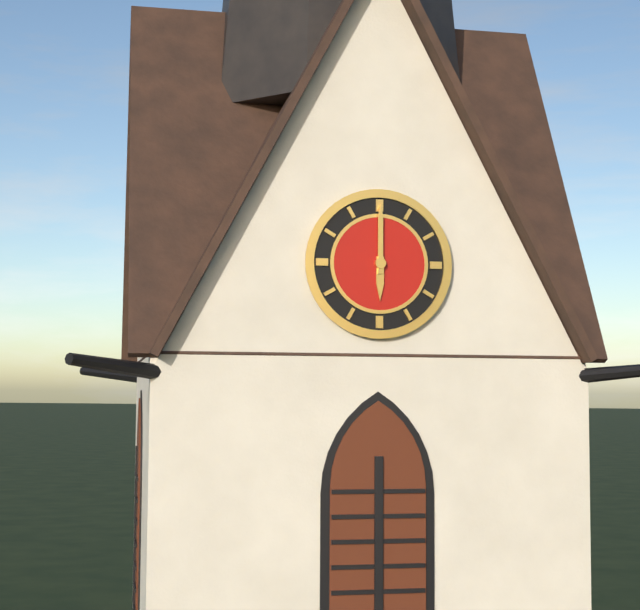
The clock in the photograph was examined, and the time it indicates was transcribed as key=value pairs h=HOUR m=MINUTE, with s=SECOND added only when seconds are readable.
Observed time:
h=6 m=0
